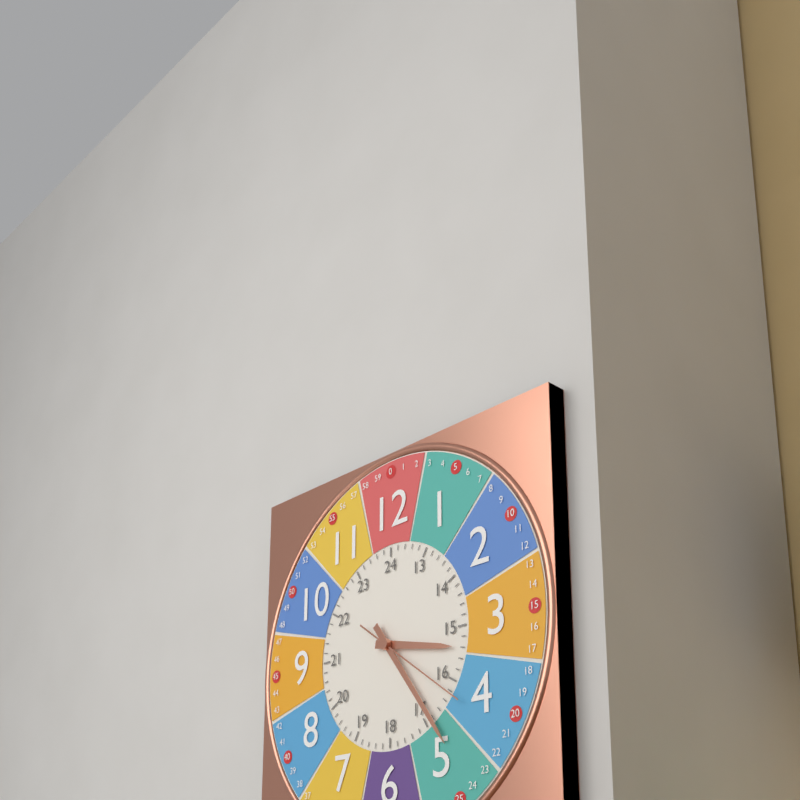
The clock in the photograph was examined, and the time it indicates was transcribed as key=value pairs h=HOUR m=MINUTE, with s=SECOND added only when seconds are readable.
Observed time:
h=3 m=24 s=21
